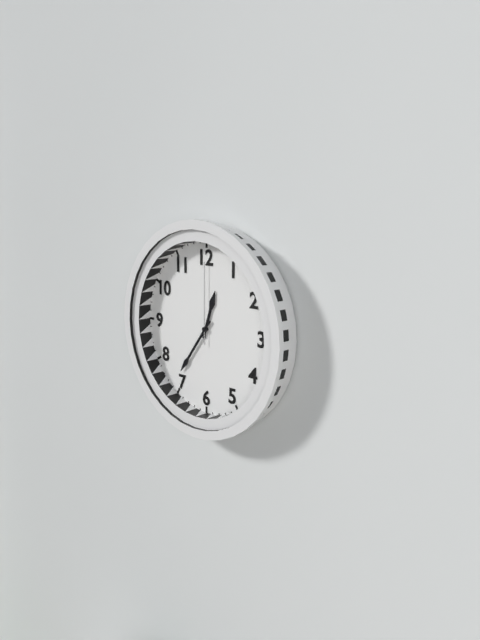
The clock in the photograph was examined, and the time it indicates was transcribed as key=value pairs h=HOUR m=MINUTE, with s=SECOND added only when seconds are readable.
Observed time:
h=12 m=36 s=0
